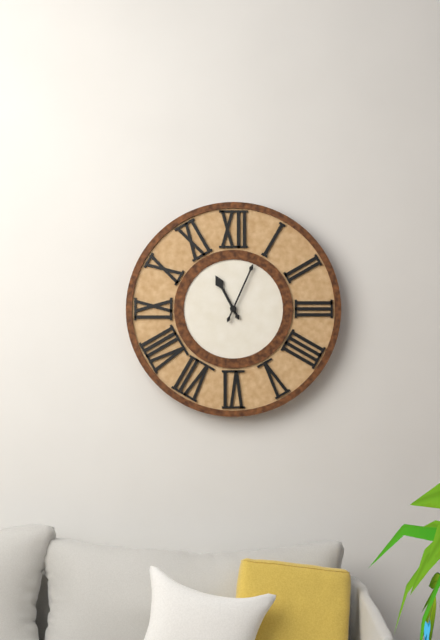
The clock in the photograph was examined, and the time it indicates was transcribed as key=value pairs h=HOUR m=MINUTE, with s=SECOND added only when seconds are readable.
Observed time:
h=11 m=4
